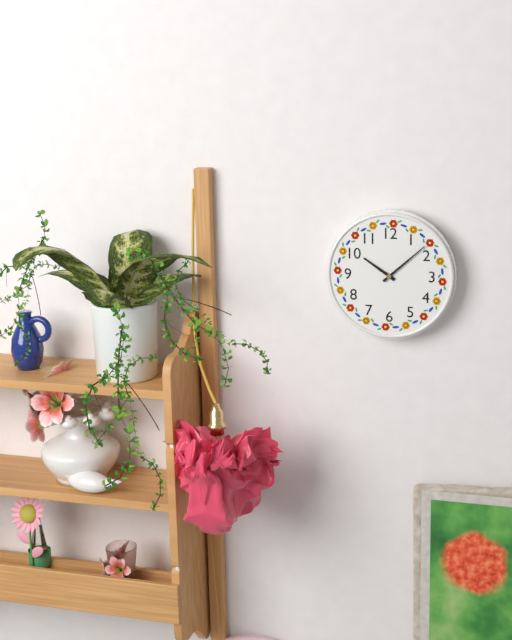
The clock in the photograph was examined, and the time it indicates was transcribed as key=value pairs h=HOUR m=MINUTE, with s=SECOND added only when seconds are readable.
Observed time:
h=10 m=8
